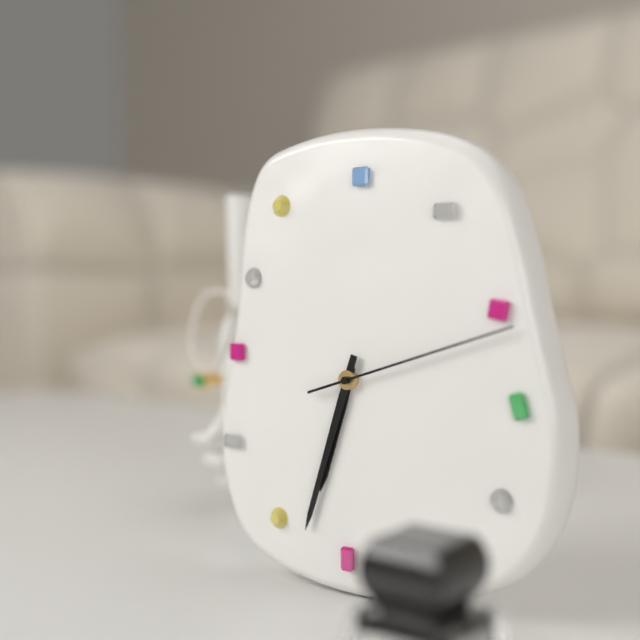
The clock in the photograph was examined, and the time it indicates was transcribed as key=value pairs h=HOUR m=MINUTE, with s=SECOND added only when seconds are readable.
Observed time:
h=6 m=33 s=12
